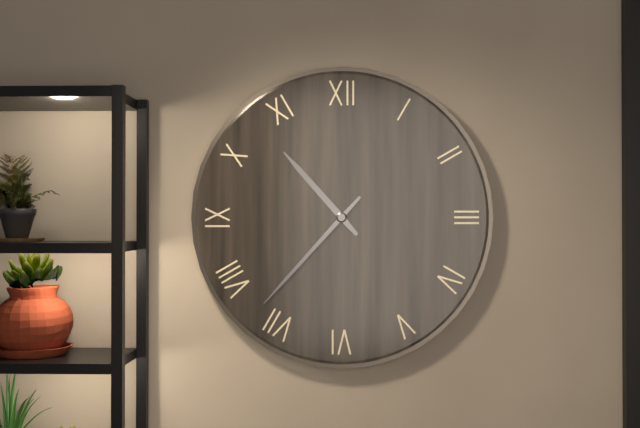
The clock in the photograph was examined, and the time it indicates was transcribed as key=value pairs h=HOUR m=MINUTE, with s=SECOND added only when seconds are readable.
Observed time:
h=10 m=37
